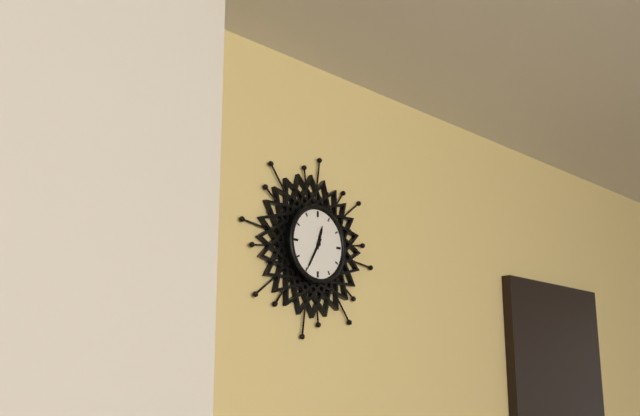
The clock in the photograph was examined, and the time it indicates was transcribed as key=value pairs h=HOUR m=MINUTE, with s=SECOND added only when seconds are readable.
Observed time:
h=12 m=35
